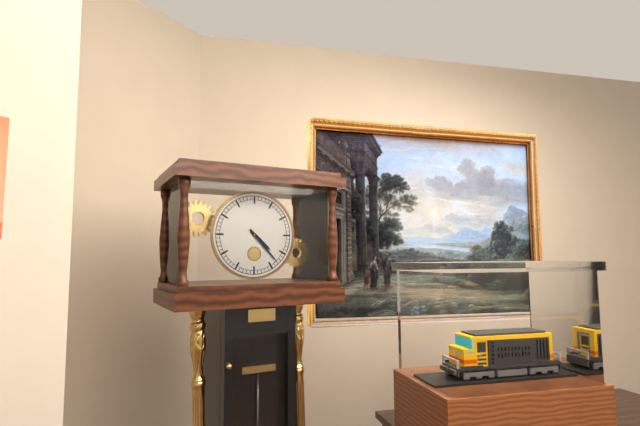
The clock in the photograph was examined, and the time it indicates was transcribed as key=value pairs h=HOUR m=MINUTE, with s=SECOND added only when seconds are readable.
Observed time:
h=4 m=23
